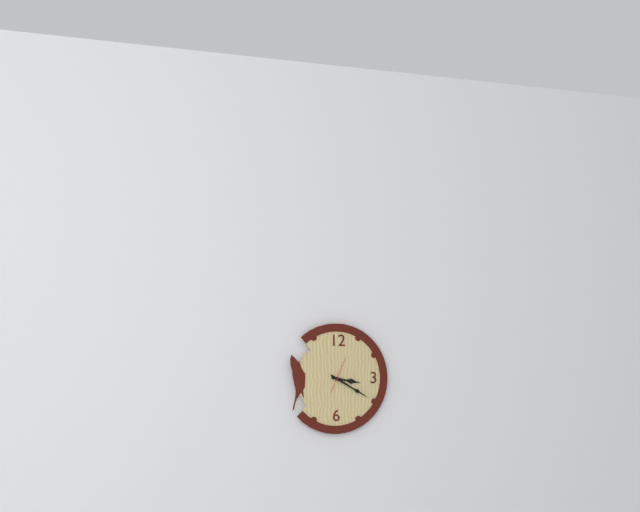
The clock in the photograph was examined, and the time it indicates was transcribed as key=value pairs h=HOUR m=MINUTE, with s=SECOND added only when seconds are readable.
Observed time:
h=3 m=20
